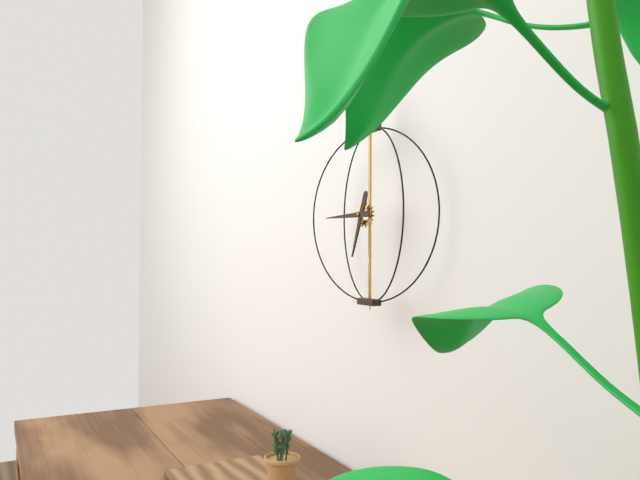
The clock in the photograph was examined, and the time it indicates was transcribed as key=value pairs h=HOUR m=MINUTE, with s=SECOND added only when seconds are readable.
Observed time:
h=6 m=45
